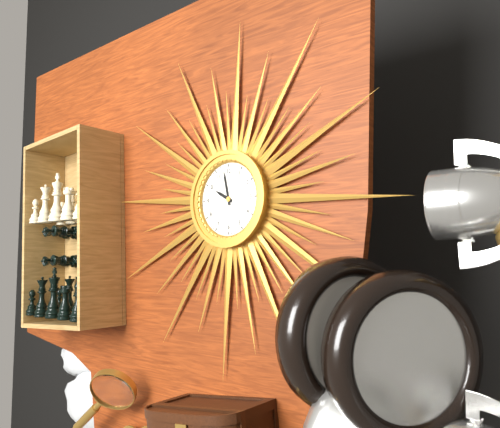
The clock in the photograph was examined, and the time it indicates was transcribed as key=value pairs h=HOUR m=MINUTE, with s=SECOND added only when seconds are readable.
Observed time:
h=9 m=58
